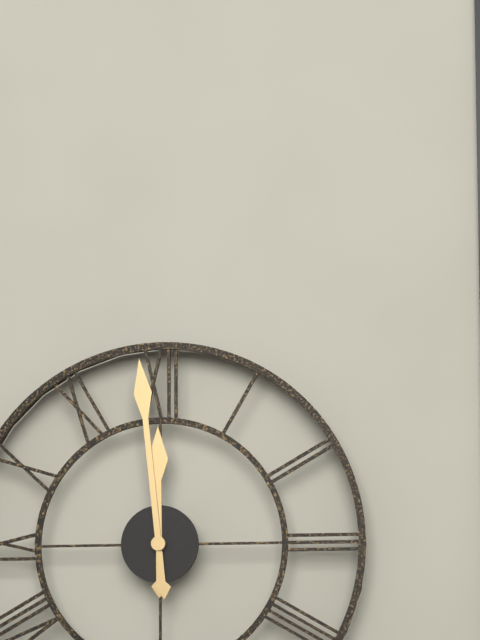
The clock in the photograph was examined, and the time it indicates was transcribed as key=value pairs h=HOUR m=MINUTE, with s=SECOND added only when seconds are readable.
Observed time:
h=11 m=59
